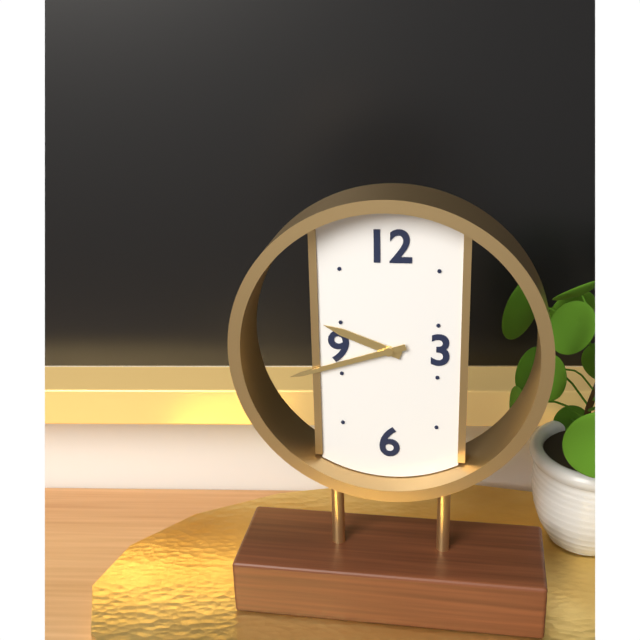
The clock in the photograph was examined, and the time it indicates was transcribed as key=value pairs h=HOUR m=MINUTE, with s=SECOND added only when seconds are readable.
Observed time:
h=9 m=42
